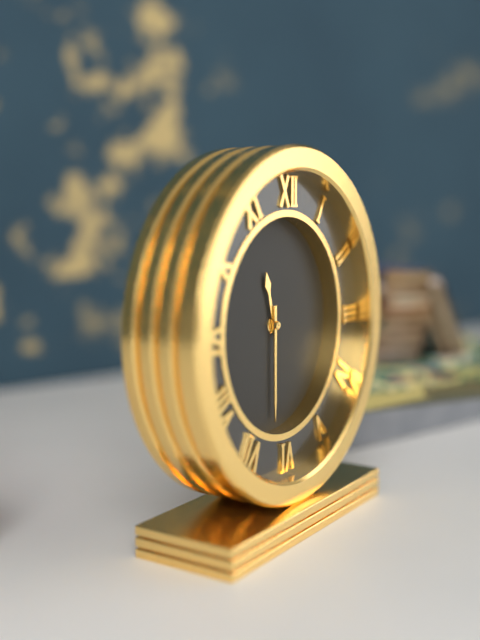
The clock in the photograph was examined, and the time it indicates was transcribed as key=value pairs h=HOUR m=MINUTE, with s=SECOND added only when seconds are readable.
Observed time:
h=11 m=30
